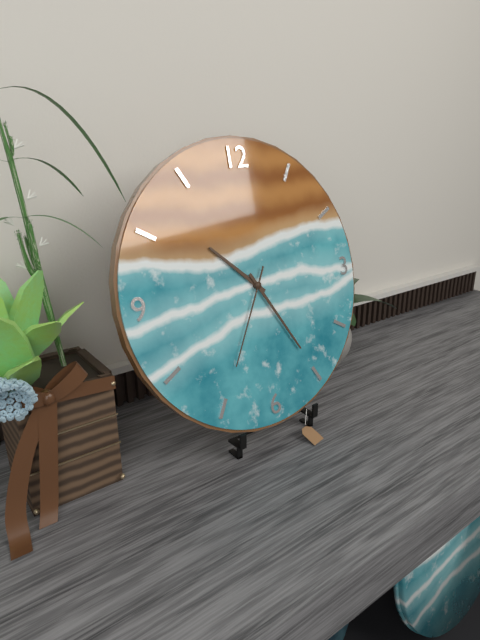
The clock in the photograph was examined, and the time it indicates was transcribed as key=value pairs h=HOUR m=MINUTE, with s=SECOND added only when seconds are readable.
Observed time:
h=10 m=25 s=35
